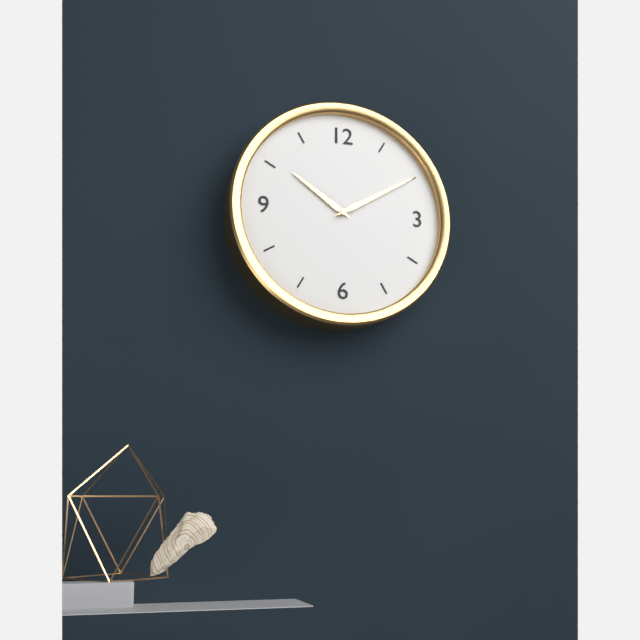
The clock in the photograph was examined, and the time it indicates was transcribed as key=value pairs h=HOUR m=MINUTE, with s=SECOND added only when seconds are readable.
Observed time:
h=10 m=10
